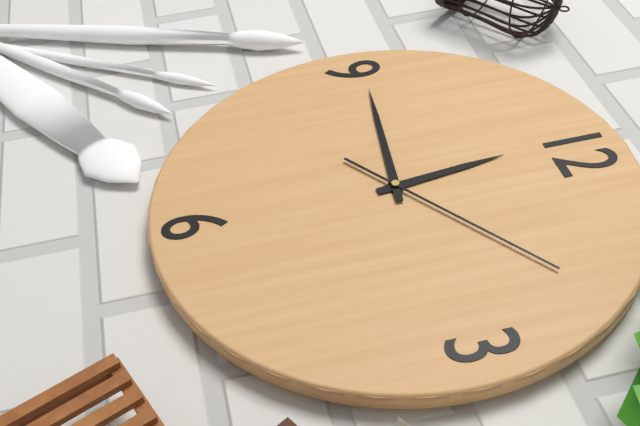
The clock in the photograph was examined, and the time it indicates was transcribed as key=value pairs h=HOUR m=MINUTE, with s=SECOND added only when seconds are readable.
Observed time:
h=11 m=46 s=9
